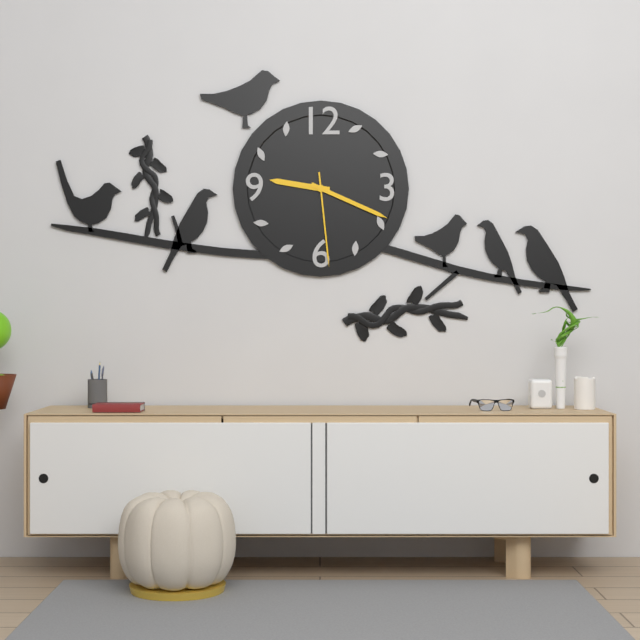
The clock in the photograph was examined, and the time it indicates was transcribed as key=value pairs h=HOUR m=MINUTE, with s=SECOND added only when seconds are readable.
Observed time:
h=9 m=19 s=29
